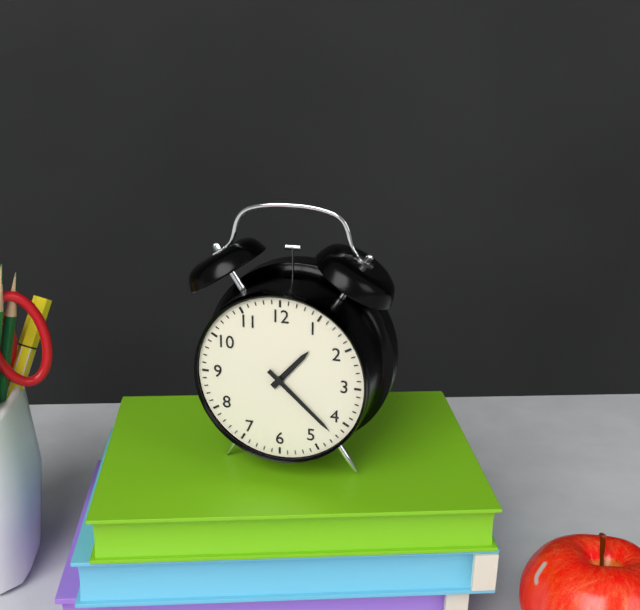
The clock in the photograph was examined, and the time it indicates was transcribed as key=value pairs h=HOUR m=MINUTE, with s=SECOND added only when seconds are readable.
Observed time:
h=1 m=22
